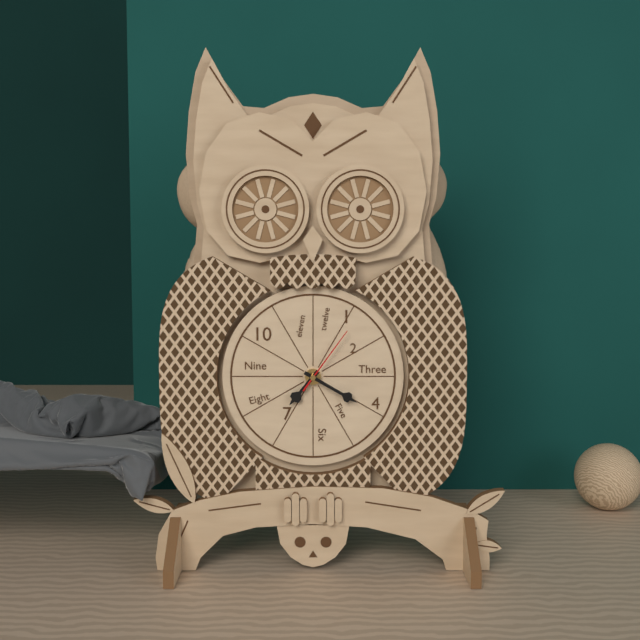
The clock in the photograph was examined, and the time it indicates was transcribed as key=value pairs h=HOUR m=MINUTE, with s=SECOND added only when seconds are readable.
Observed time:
h=7 m=20 s=6
